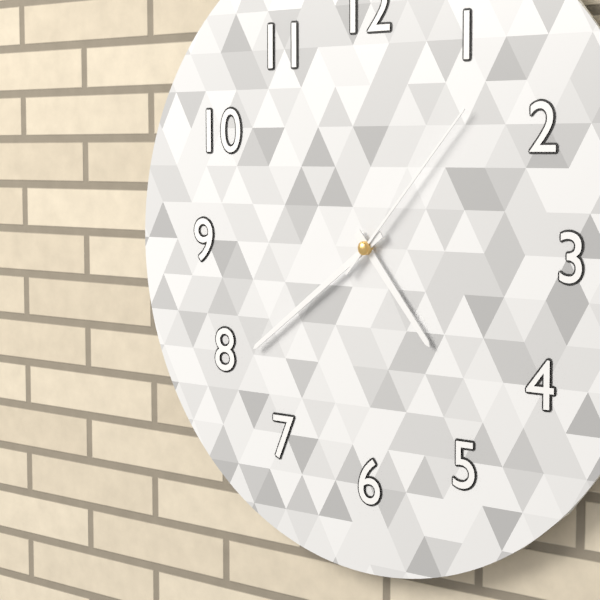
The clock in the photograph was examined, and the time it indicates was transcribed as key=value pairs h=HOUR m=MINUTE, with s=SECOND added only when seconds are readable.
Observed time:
h=4 m=39 s=7
